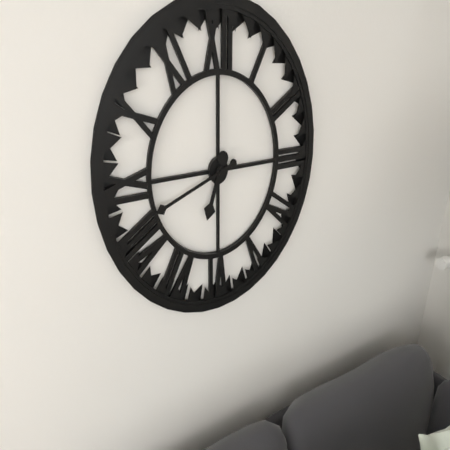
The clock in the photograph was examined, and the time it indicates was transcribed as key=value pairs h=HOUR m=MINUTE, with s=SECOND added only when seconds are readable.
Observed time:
h=6 m=42
